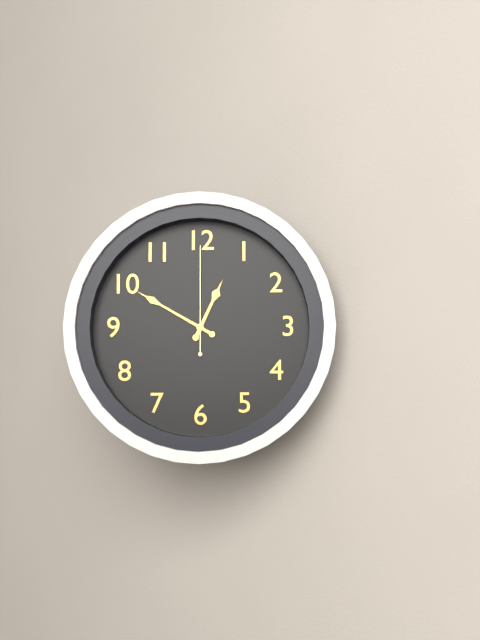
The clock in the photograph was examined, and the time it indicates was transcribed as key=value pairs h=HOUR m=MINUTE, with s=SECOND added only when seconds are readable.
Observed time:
h=12 m=50 s=0
